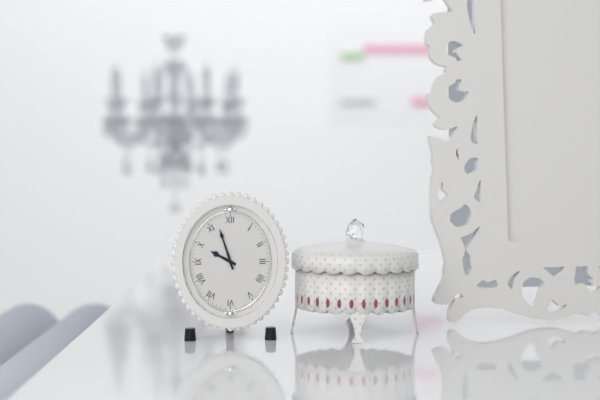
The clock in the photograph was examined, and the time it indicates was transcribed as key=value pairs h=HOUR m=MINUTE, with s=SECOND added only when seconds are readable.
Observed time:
h=9 m=57
